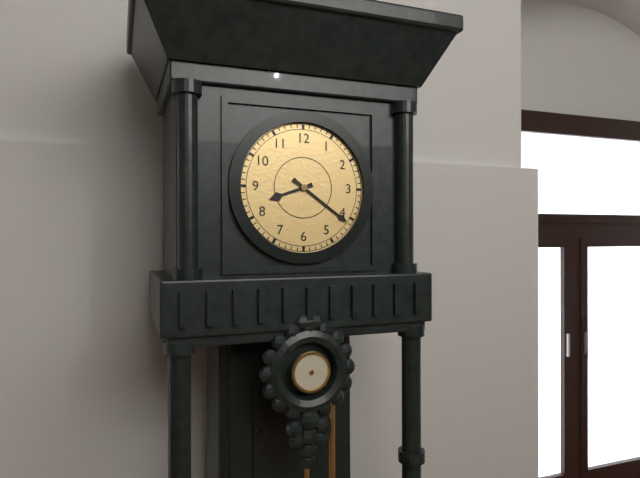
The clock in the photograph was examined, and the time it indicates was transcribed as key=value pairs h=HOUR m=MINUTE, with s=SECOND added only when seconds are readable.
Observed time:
h=8 m=21
